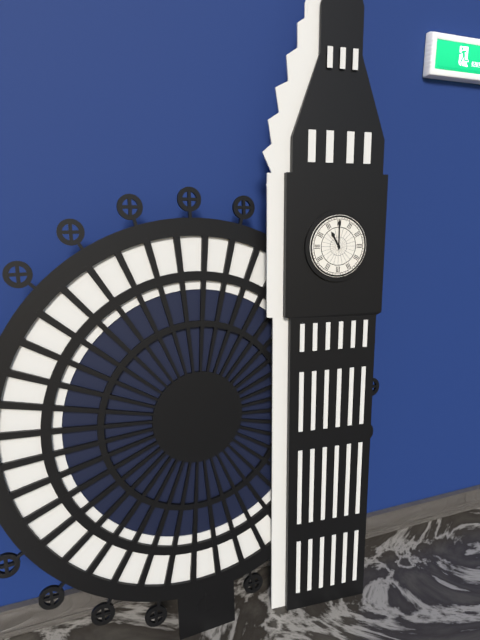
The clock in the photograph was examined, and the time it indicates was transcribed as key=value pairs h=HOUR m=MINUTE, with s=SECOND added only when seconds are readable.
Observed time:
h=11 m=0
